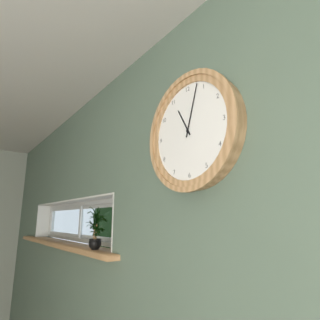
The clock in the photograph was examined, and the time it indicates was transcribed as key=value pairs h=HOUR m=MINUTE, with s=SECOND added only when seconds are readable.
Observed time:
h=11 m=3
